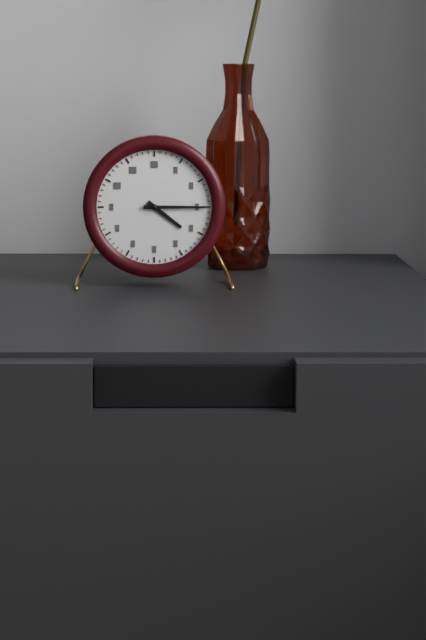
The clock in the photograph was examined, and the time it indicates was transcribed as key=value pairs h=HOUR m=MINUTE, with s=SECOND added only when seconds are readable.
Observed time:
h=4 m=15
